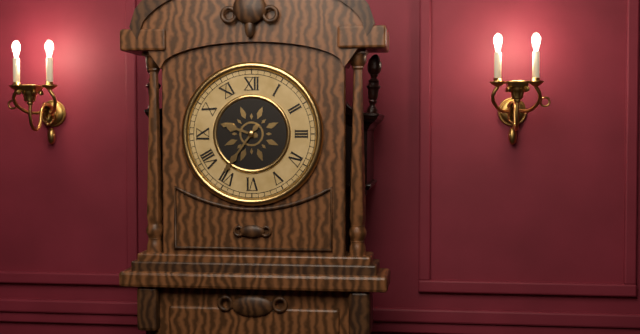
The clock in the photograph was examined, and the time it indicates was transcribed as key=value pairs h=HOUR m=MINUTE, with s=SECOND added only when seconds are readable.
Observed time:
h=9 m=36
